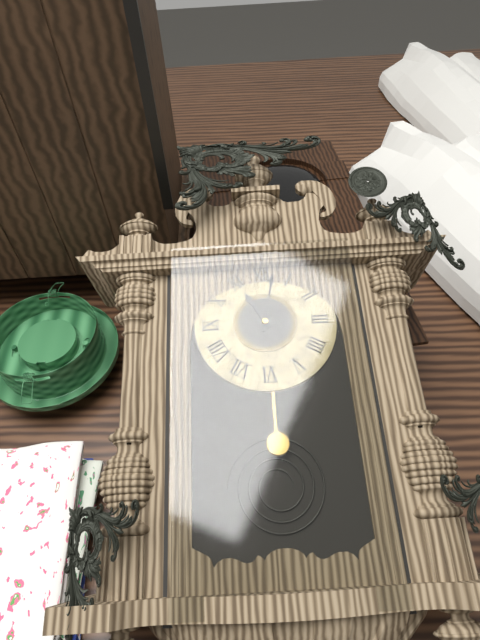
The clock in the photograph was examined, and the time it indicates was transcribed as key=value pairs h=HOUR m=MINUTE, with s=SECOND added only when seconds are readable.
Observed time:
h=11 m=2
